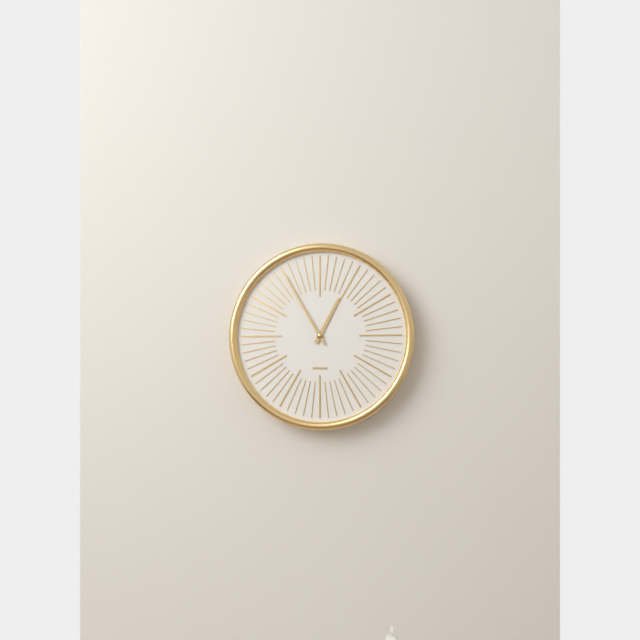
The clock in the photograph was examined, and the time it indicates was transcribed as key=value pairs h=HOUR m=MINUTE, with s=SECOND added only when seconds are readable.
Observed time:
h=12 m=55
